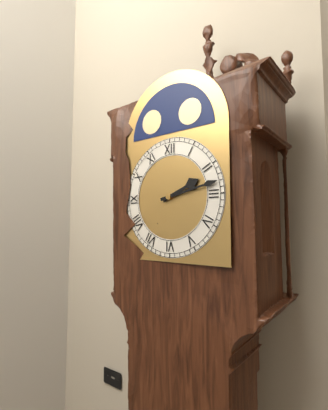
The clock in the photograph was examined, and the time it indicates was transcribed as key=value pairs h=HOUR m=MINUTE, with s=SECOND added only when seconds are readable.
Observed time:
h=2 m=13
